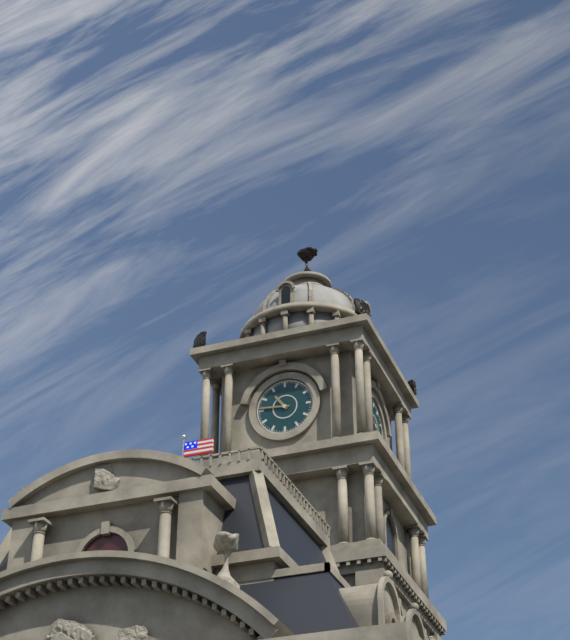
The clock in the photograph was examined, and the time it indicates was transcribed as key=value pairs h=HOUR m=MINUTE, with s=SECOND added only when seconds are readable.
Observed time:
h=10 m=46
